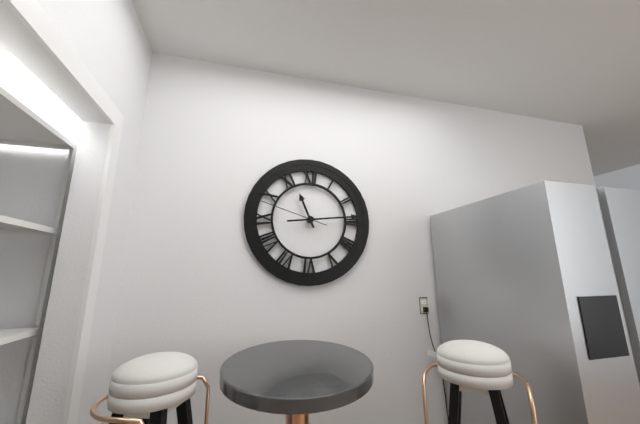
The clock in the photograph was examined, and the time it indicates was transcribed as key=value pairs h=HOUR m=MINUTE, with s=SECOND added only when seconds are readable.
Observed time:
h=11 m=14 s=48
